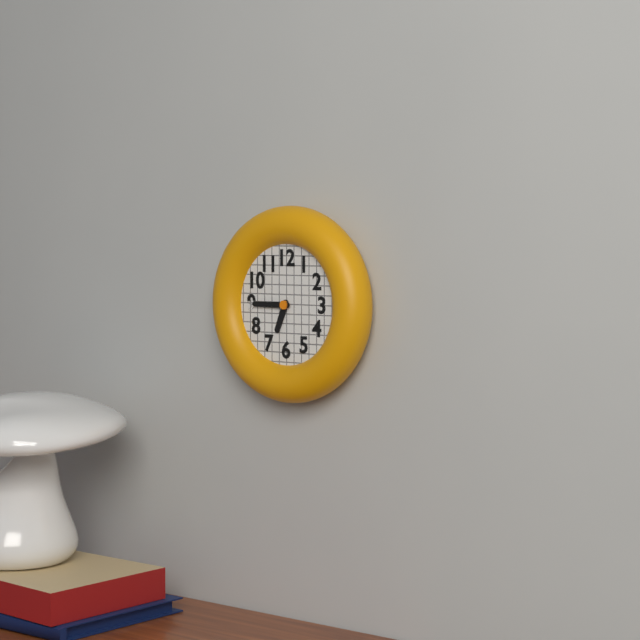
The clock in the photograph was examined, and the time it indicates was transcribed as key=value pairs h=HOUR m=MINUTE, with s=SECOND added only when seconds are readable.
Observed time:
h=6 m=45
